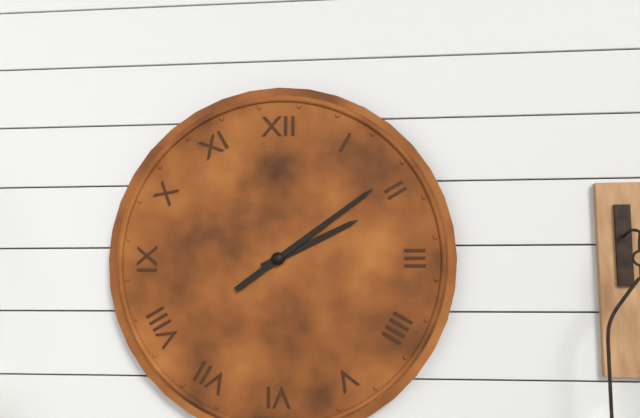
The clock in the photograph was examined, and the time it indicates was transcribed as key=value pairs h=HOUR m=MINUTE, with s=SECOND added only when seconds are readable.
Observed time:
h=2 m=9
